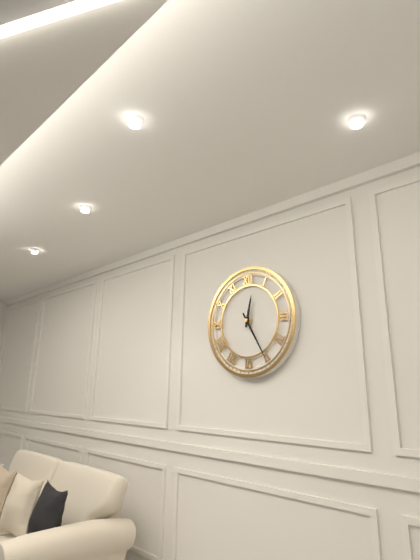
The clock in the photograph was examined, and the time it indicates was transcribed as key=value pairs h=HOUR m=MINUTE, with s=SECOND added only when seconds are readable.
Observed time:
h=12 m=25
